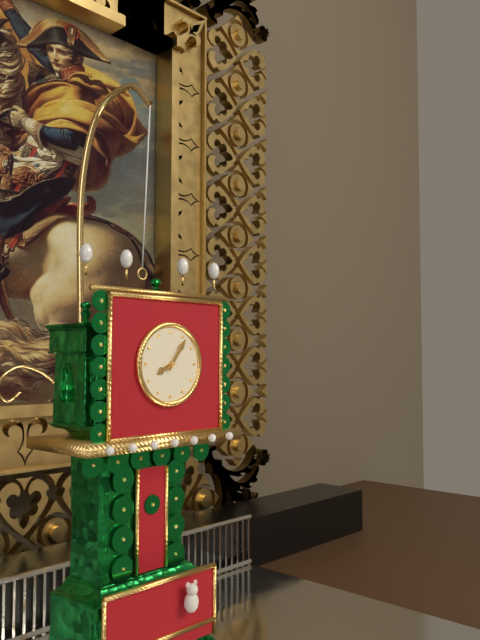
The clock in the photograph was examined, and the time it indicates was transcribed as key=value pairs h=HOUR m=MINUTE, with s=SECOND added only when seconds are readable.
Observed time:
h=8 m=6
